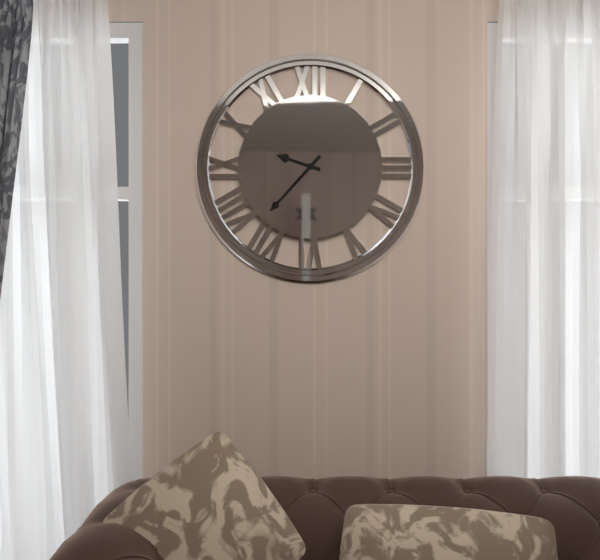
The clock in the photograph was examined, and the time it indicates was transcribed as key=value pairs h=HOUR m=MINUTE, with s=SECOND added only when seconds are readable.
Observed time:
h=9 m=37
